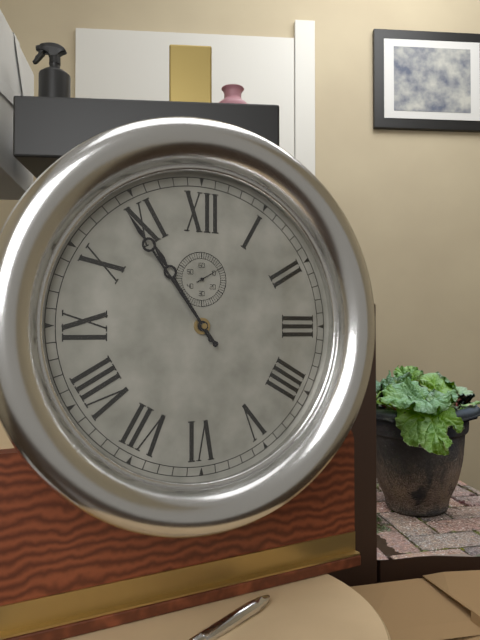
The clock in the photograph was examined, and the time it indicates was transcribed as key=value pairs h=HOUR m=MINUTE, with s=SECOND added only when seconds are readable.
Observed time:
h=10 m=54
